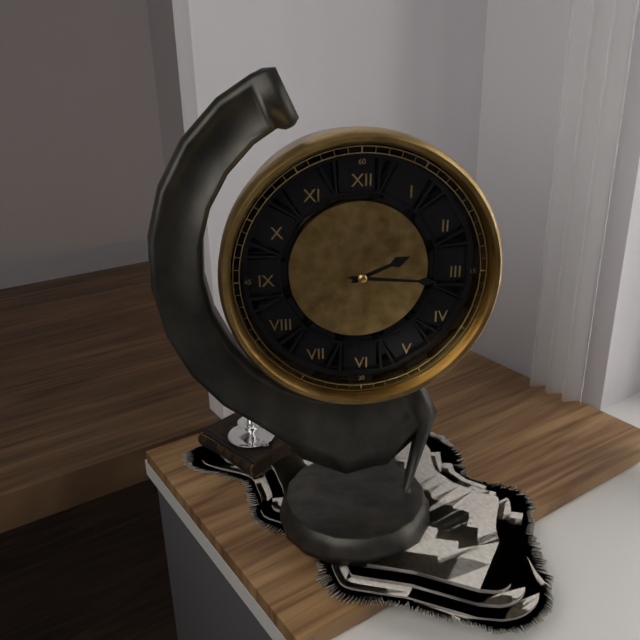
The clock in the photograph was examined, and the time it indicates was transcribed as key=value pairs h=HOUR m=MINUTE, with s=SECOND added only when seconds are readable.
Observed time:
h=2 m=16
